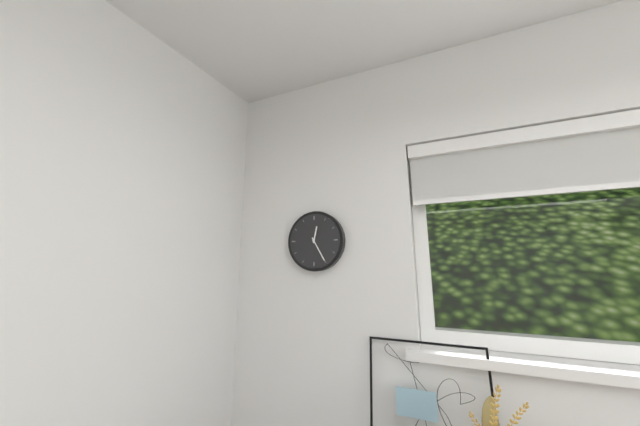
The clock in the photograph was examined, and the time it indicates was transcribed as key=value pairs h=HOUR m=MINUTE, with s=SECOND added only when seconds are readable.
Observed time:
h=12 m=25
